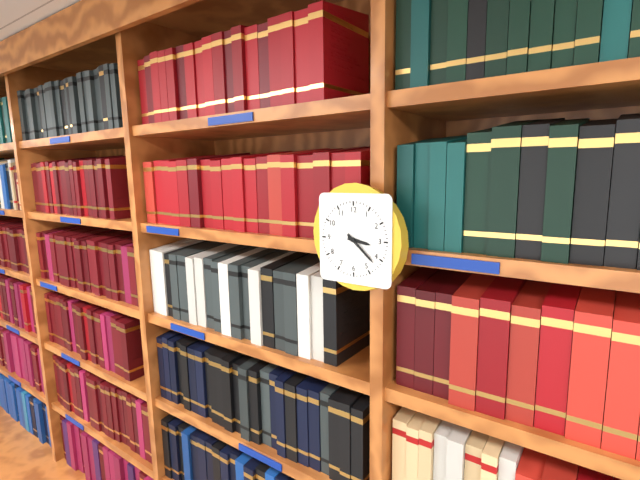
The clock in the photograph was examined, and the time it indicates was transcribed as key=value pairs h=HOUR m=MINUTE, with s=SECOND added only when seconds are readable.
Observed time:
h=3 m=22
